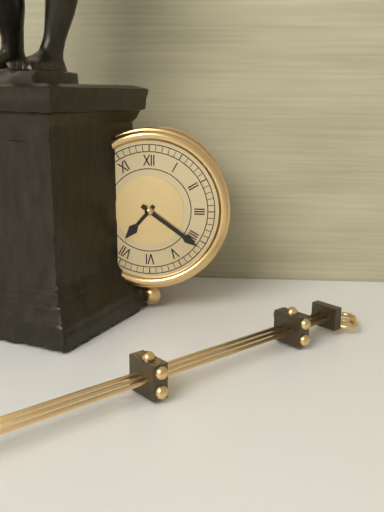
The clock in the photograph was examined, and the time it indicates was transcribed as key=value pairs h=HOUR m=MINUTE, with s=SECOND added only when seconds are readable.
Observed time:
h=7 m=21
